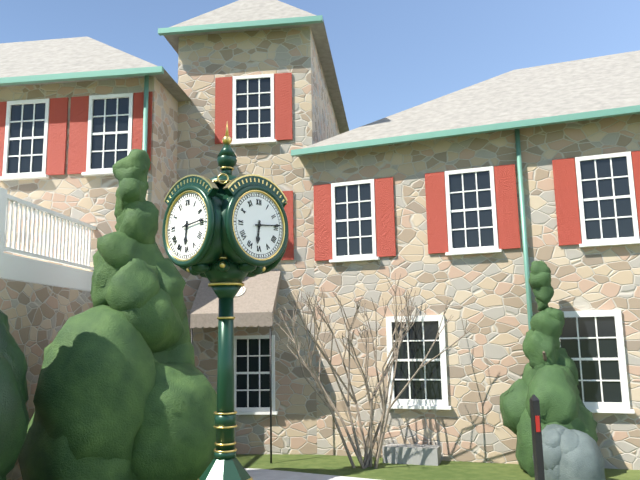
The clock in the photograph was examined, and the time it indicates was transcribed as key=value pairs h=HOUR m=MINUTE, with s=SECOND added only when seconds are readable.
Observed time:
h=6 m=14
